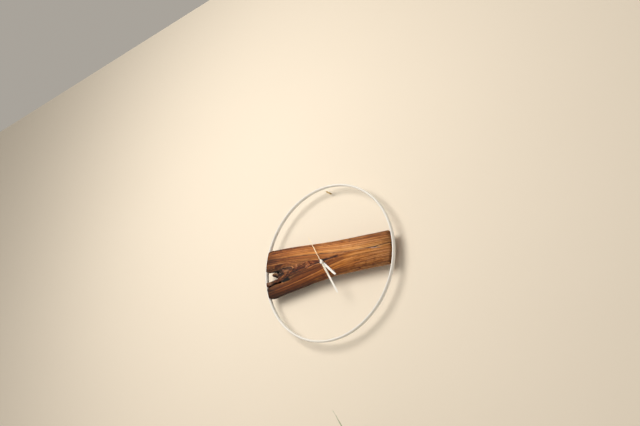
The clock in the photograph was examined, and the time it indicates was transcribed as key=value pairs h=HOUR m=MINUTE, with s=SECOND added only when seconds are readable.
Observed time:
h=4 m=25
